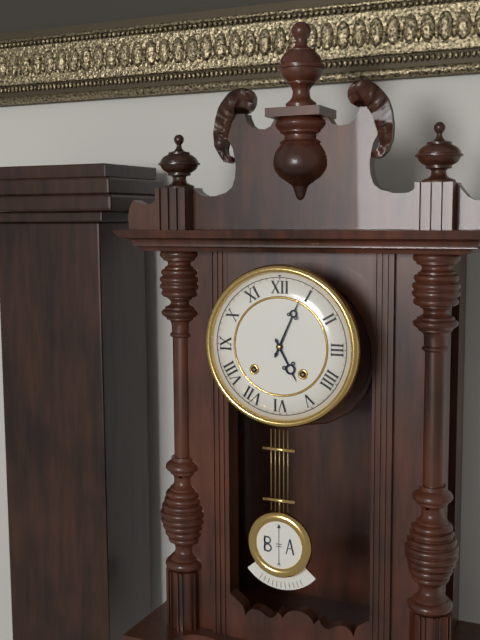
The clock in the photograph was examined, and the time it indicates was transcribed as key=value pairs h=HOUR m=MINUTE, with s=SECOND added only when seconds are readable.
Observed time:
h=5 m=4
